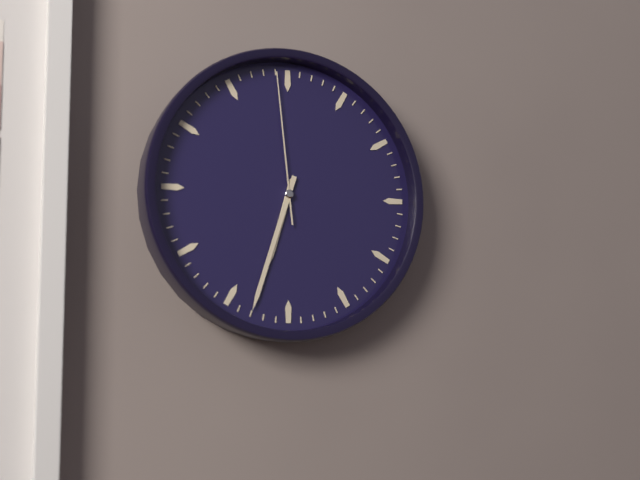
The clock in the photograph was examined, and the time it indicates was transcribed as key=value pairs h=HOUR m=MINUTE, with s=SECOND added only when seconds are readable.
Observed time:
h=6 m=33 s=59
